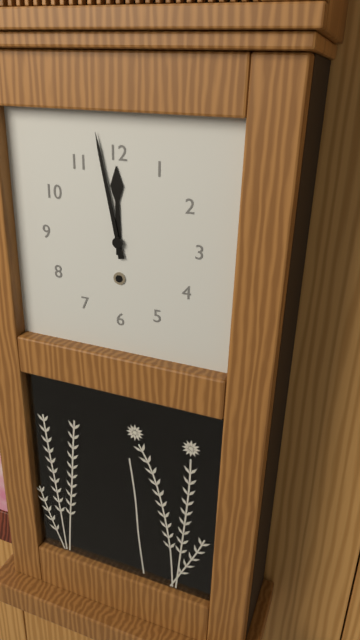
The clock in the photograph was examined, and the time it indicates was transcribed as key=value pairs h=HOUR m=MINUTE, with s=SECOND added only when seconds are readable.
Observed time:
h=11 m=58
